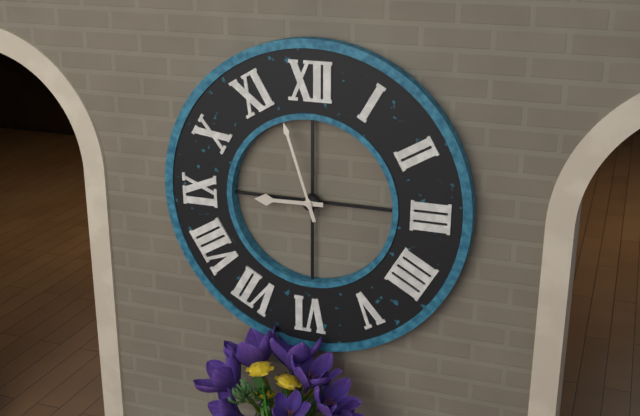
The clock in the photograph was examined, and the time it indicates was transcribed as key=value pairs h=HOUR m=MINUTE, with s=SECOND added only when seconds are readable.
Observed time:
h=8 m=57
